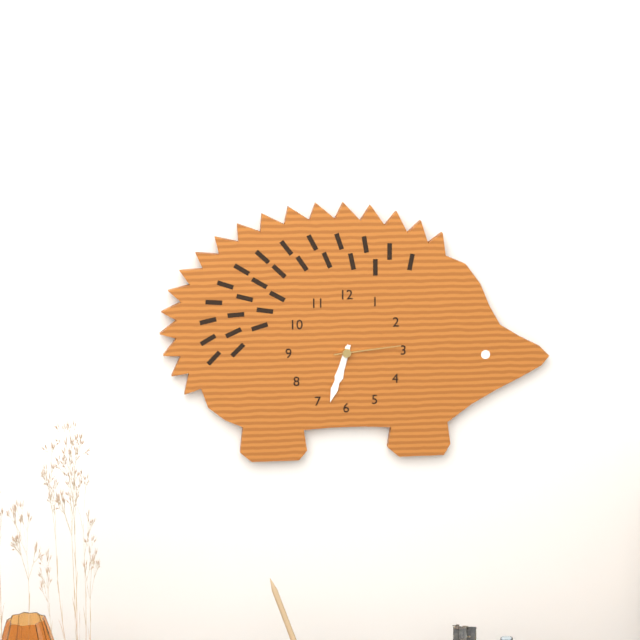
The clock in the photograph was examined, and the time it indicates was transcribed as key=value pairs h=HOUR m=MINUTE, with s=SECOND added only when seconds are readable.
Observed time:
h=6 m=33 s=14
